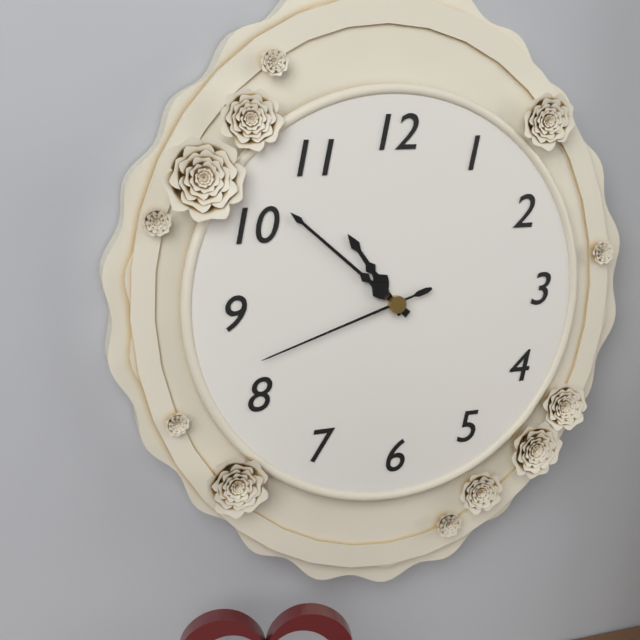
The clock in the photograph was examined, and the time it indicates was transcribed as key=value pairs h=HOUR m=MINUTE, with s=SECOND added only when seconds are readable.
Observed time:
h=10 m=52 s=42
